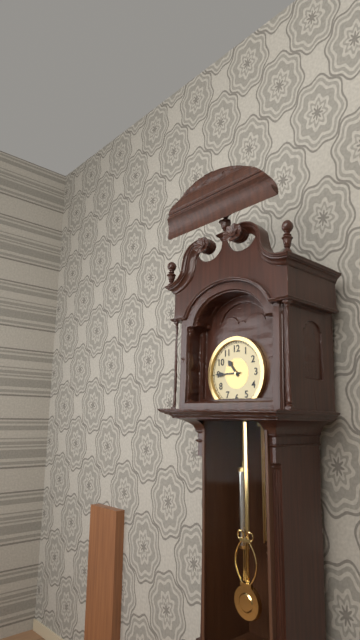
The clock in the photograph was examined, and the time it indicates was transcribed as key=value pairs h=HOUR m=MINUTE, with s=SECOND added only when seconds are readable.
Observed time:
h=10 m=45
